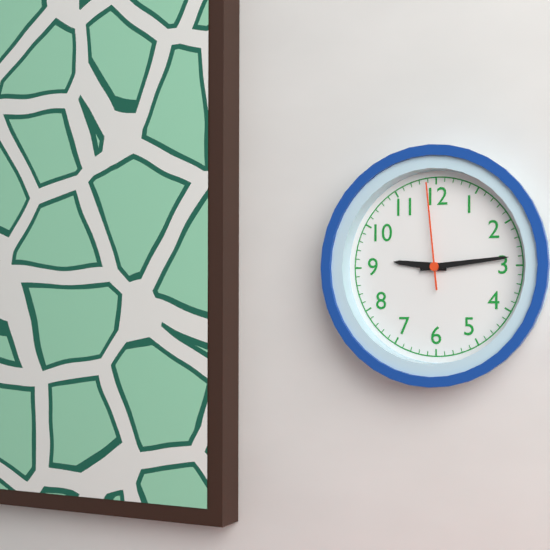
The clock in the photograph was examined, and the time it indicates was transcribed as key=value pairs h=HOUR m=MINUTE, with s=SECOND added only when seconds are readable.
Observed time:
h=9 m=14 s=59
